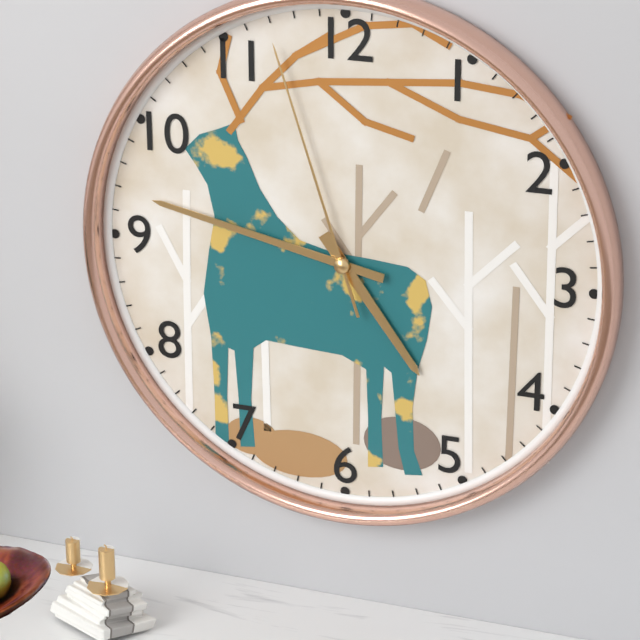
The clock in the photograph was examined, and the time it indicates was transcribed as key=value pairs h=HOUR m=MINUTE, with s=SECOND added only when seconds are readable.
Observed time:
h=4 m=47 s=57
